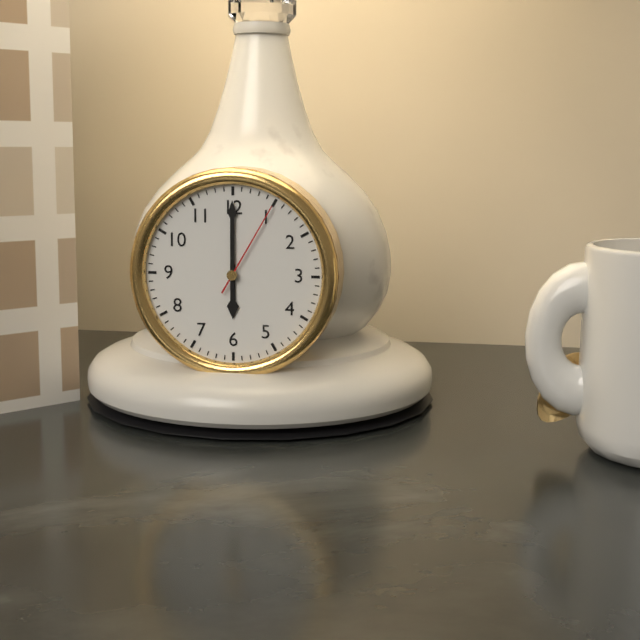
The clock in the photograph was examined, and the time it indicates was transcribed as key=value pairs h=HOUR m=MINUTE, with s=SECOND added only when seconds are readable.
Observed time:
h=6 m=0 s=5
